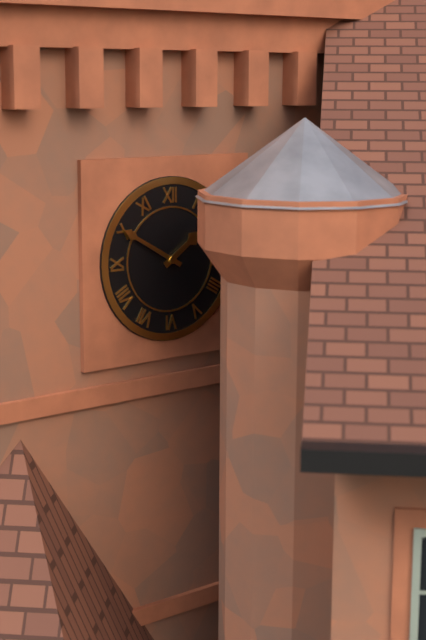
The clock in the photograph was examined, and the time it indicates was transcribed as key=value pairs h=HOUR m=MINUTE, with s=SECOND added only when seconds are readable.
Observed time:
h=1 m=50
